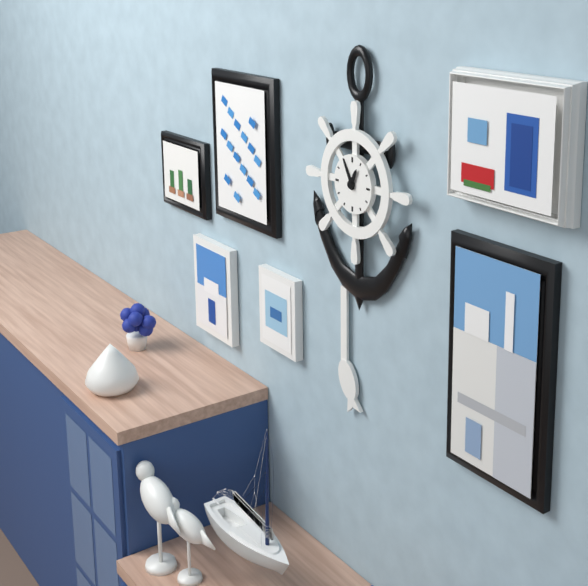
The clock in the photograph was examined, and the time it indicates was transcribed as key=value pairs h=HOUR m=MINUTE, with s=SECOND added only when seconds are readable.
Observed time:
h=12 m=55
